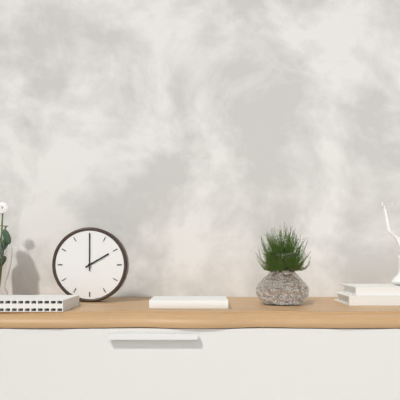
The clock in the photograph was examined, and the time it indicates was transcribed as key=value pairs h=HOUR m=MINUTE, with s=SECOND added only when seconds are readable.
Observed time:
h=2 m=0
